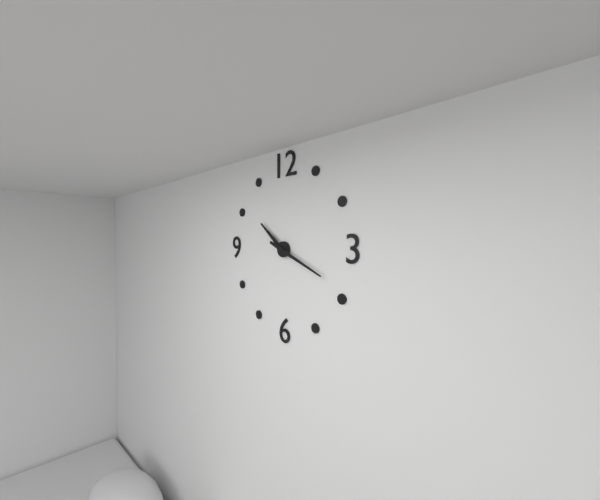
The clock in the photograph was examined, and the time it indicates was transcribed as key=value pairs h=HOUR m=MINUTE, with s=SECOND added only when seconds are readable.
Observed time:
h=10 m=19
